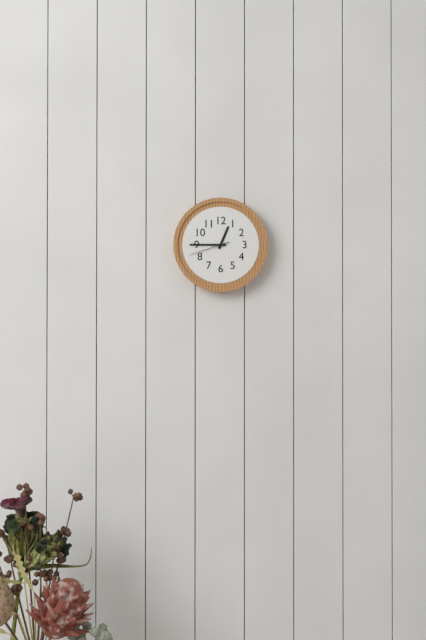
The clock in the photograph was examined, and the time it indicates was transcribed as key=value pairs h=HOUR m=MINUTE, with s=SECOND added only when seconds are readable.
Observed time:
h=12 m=45
